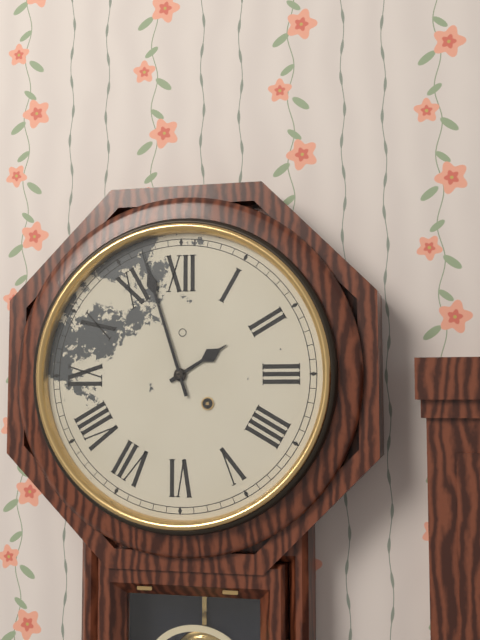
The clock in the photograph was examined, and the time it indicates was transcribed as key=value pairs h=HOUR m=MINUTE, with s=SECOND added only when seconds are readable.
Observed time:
h=1 m=57
